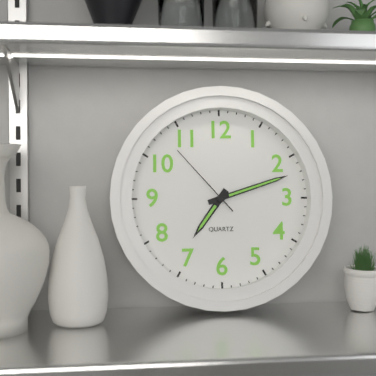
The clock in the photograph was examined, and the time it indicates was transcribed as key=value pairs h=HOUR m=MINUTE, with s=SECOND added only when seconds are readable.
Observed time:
h=7 m=12 s=53
